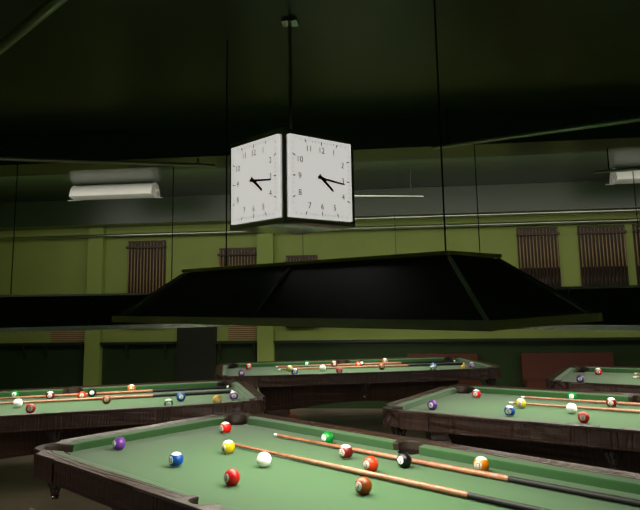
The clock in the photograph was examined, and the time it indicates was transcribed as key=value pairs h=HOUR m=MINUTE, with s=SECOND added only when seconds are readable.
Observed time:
h=4 m=16
